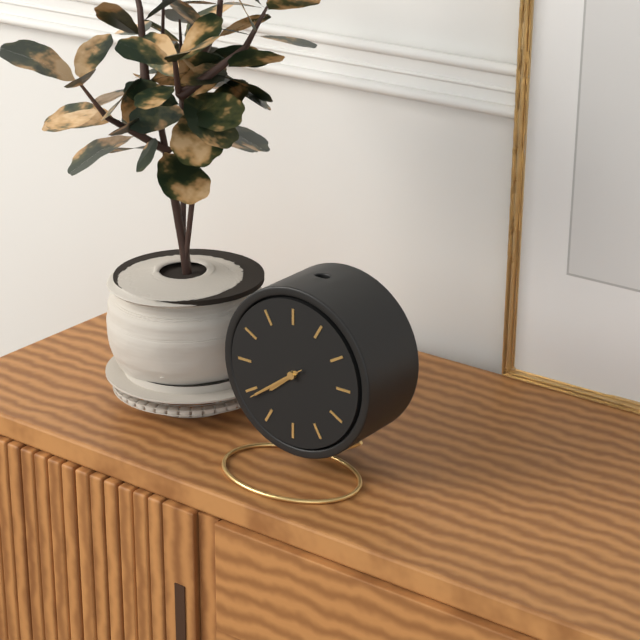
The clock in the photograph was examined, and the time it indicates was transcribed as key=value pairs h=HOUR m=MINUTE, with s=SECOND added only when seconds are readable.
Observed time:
h=7 m=39 s=39
